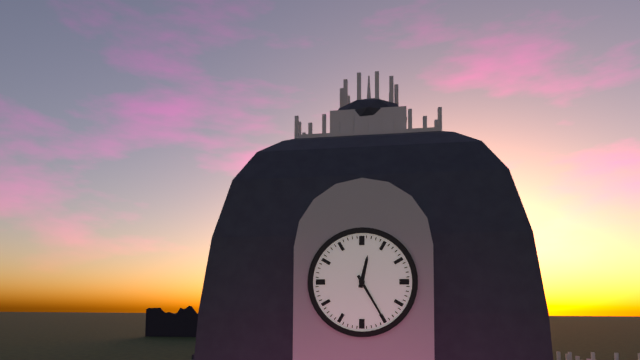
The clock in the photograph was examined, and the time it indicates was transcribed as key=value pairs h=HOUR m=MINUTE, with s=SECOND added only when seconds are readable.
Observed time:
h=12 m=25
